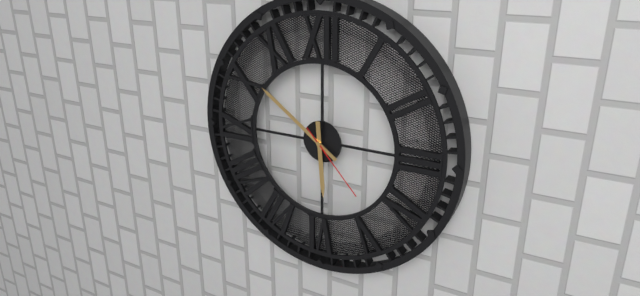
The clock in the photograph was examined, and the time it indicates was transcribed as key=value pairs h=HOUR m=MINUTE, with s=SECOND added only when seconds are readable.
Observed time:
h=5 m=51 s=23
